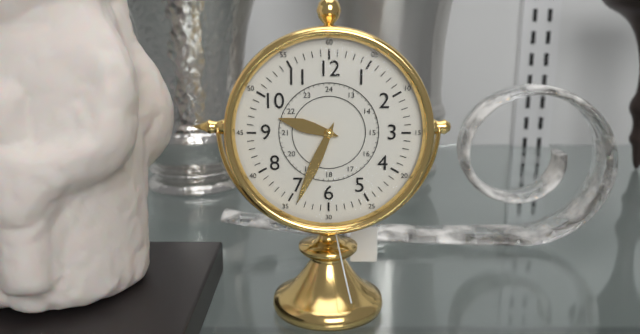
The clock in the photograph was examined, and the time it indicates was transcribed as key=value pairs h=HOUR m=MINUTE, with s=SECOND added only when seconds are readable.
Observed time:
h=9 m=34
